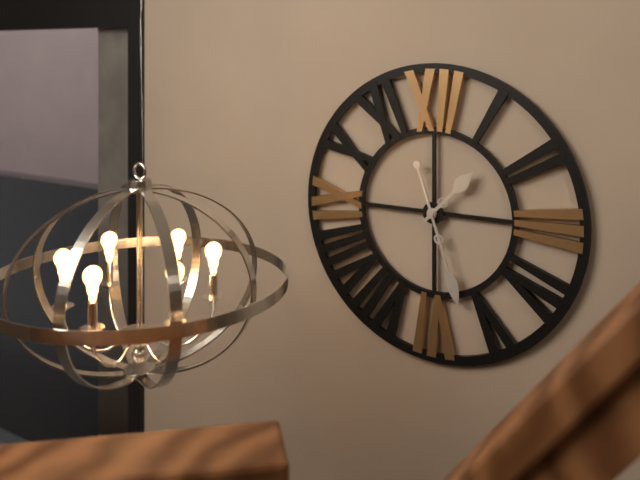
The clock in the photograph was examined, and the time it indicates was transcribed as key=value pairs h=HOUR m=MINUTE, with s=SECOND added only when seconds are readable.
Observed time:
h=1 m=27
